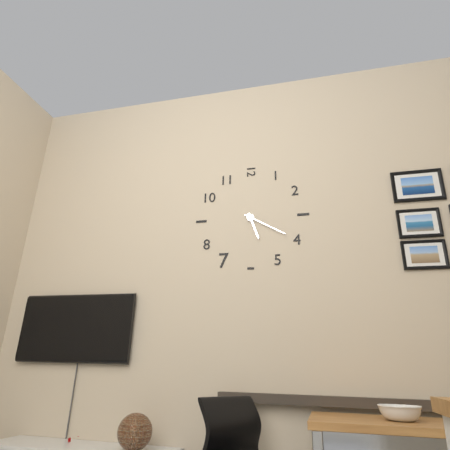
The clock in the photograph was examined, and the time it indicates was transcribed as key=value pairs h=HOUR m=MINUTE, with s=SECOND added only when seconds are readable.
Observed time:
h=5 m=20
